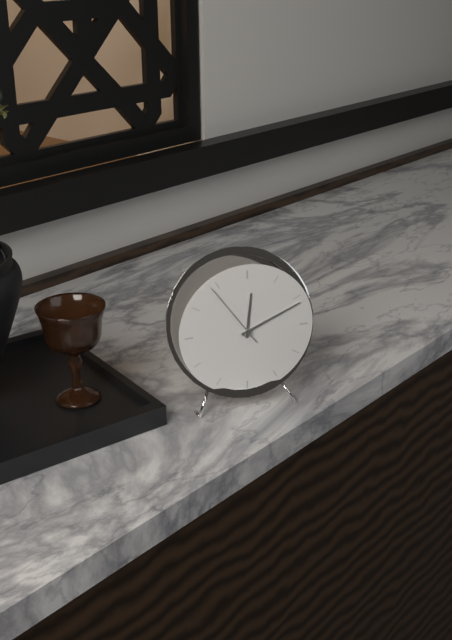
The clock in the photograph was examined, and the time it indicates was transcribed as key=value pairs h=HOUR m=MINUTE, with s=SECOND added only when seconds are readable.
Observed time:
h=12 m=11 s=54
